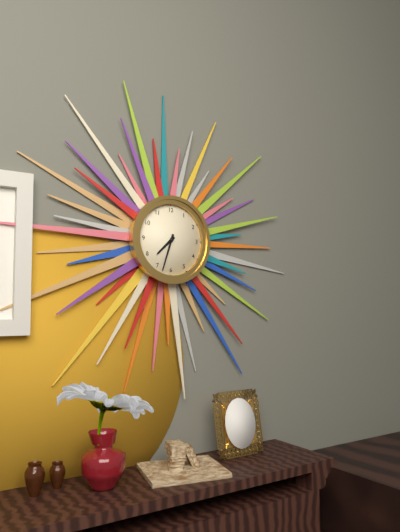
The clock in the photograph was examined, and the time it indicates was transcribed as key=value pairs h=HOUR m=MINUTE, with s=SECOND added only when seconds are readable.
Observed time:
h=7 m=33
